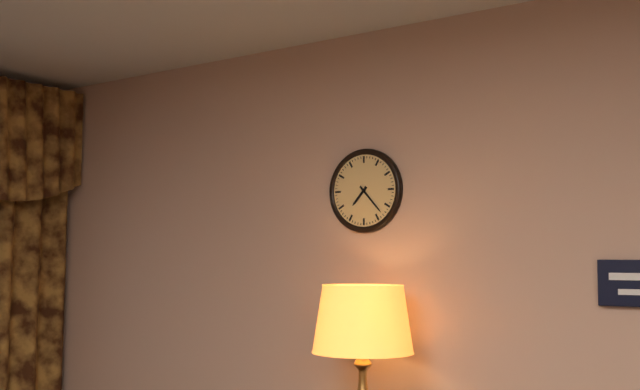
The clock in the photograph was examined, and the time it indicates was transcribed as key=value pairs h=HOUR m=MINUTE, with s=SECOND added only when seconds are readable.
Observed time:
h=7 m=23
